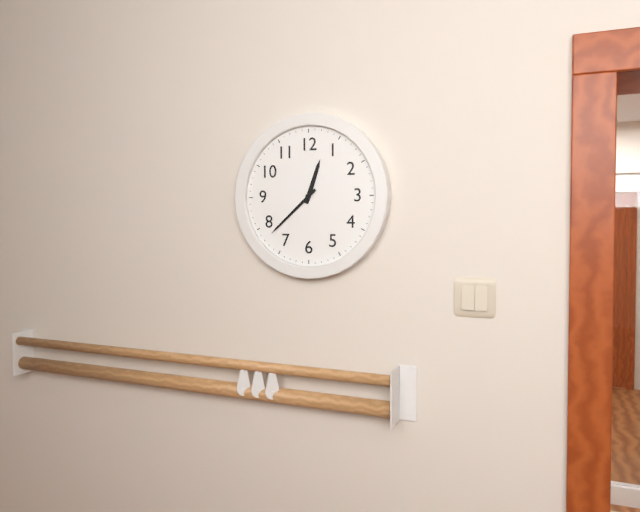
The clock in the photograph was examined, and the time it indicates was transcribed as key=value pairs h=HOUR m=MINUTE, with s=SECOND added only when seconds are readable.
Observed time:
h=12 m=38
